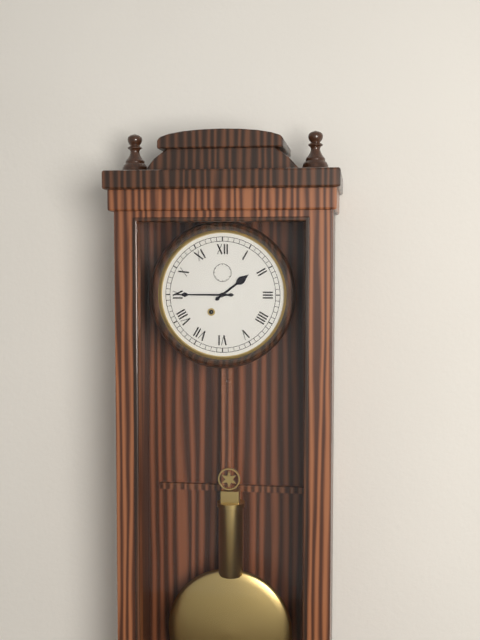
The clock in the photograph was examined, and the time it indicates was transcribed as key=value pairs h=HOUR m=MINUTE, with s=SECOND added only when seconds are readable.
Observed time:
h=1 m=45
